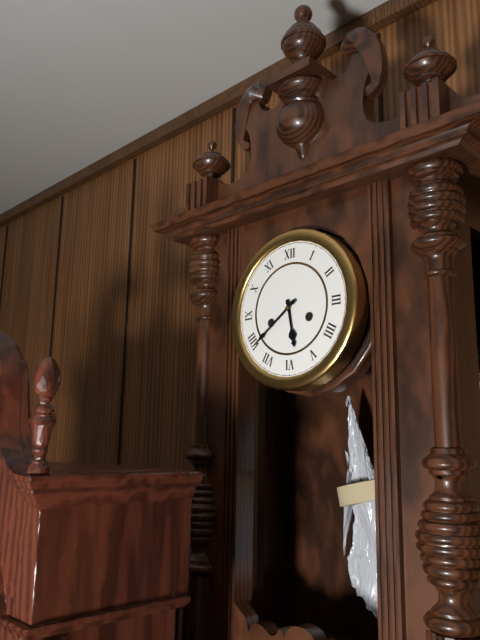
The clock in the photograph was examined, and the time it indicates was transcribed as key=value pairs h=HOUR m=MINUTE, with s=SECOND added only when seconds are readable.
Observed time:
h=5 m=39
